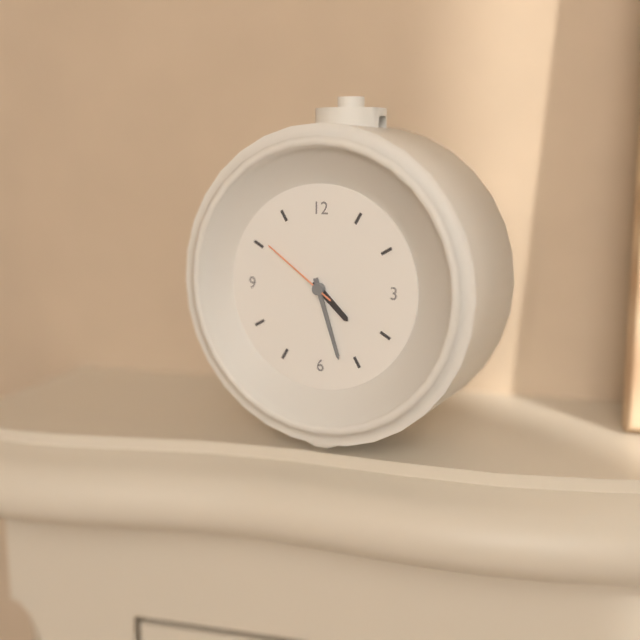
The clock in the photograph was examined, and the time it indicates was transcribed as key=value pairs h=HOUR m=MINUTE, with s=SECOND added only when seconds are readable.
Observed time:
h=4 m=27 s=51
